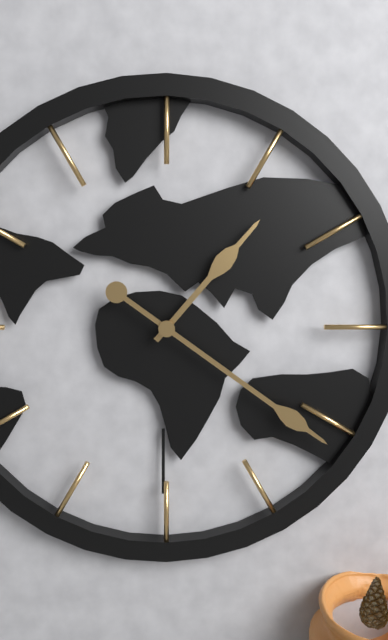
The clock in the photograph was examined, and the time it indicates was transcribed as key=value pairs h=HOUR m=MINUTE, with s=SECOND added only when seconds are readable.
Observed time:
h=1 m=21
